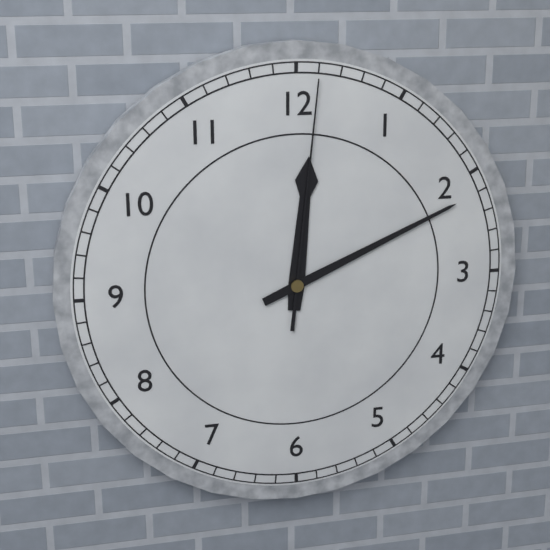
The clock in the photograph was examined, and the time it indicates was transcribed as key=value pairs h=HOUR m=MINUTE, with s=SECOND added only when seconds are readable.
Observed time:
h=12 m=11 s=1
